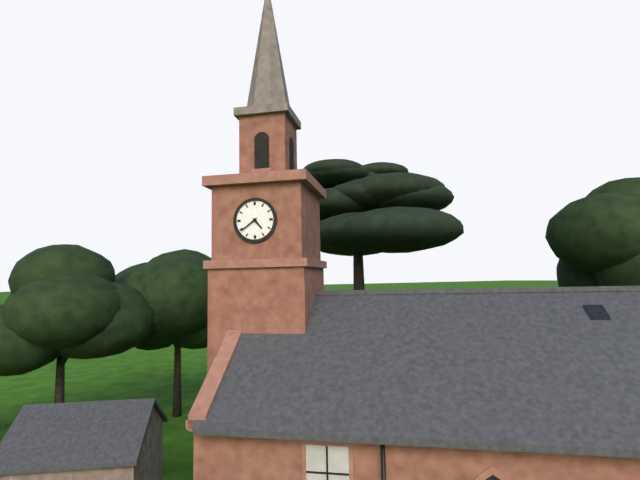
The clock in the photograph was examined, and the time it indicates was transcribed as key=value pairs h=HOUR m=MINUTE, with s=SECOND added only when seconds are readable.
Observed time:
h=4 m=39
